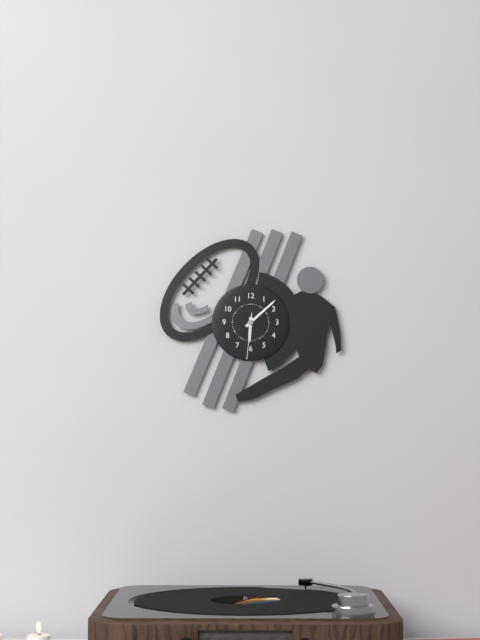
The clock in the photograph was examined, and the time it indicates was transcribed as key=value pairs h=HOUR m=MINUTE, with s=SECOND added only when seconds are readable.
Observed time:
h=6 m=8
